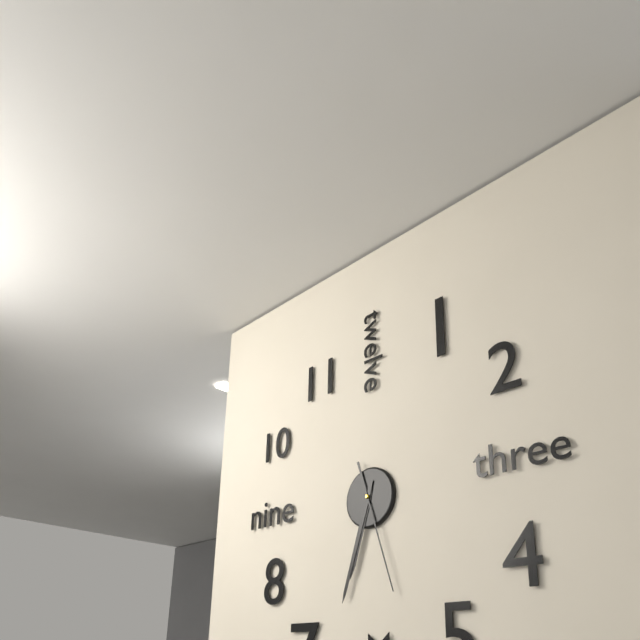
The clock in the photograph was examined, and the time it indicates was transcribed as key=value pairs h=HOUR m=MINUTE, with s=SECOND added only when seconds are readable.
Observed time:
h=6 m=33 s=27
